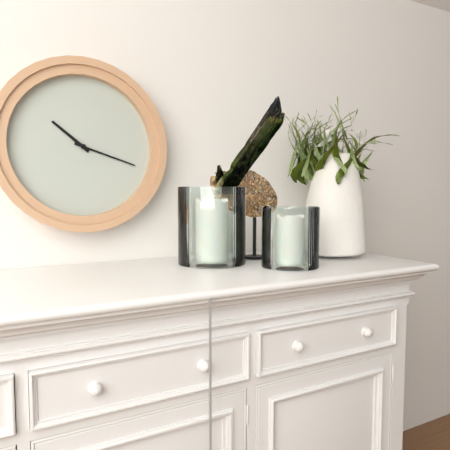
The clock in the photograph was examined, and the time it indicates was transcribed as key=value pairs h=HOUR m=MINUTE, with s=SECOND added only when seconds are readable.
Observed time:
h=10 m=18
